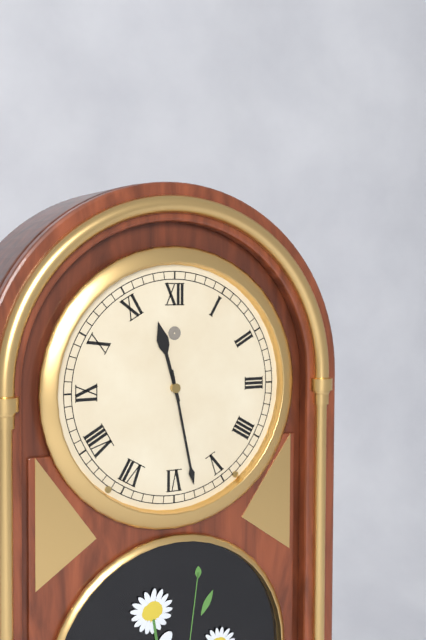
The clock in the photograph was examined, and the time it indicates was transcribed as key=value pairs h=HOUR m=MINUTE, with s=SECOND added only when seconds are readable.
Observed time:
h=11 m=28
